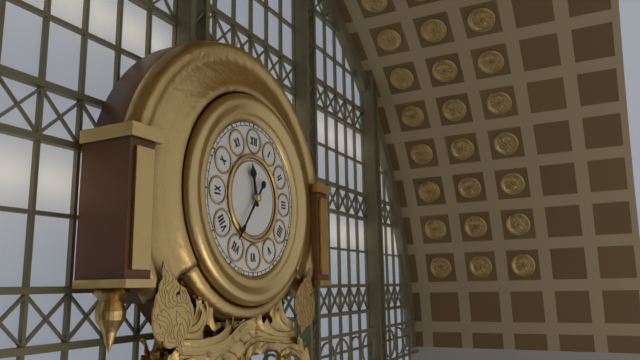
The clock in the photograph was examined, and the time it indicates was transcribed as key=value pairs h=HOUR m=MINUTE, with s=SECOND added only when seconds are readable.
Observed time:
h=11 m=36
